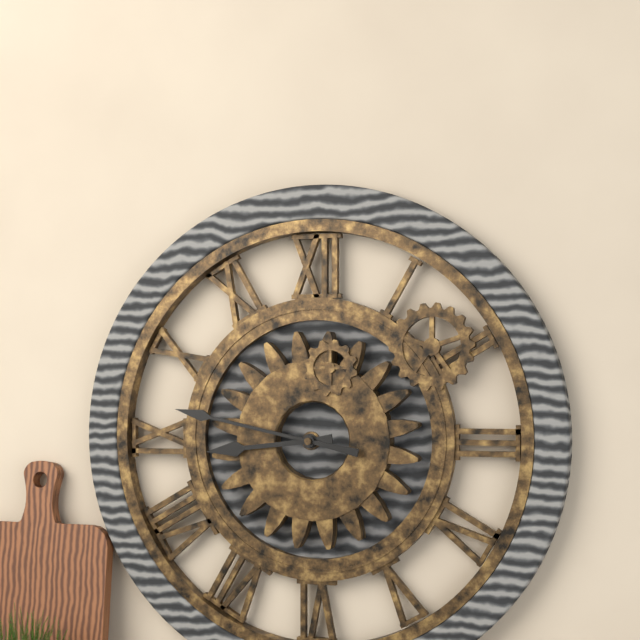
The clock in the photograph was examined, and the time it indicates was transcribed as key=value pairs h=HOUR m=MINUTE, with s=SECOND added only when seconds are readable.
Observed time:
h=8 m=47
